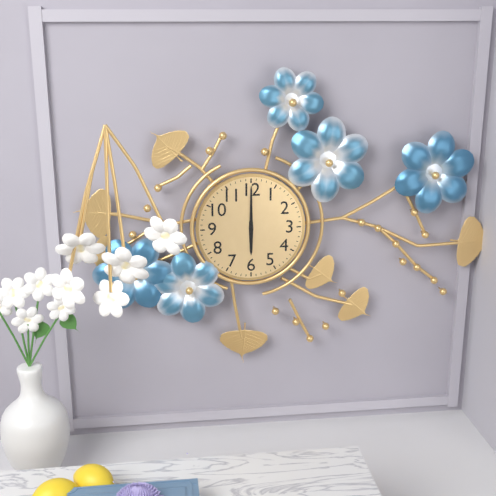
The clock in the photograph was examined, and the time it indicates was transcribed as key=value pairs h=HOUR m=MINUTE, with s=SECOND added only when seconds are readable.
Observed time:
h=6 m=0
